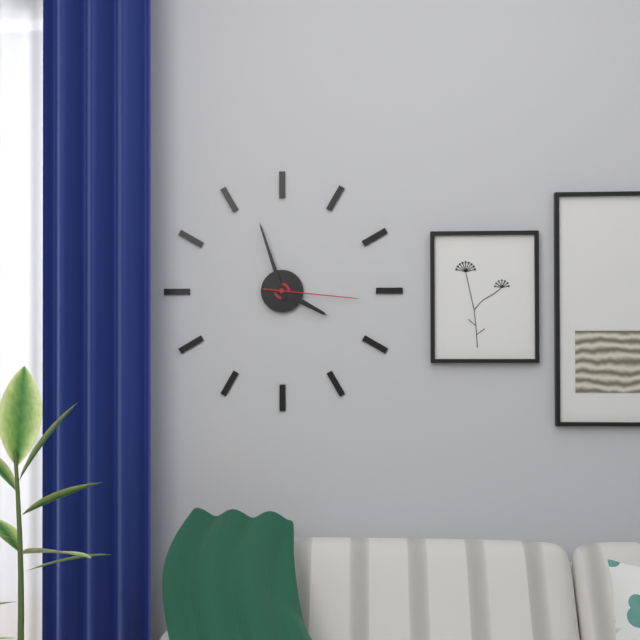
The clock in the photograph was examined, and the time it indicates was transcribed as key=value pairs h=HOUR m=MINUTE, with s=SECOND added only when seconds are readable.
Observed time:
h=3 m=57 s=16
